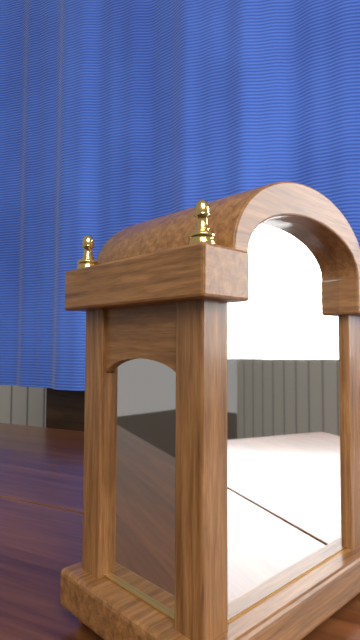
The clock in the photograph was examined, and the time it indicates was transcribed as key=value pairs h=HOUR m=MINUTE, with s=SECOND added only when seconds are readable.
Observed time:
h=7 m=15
